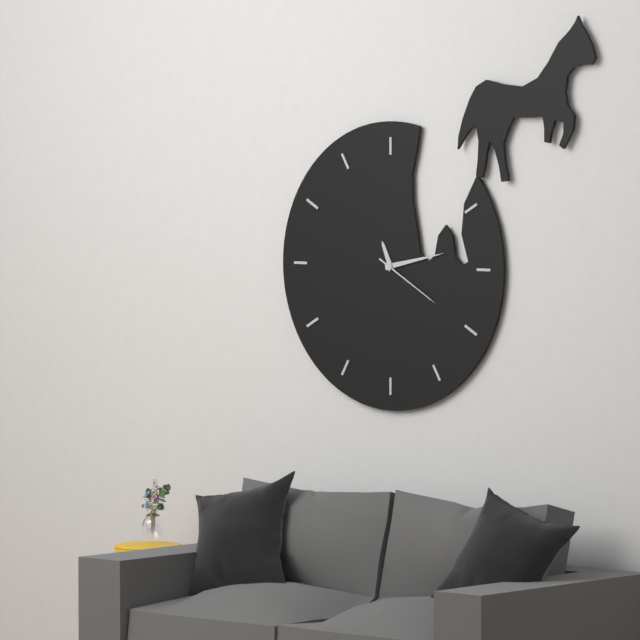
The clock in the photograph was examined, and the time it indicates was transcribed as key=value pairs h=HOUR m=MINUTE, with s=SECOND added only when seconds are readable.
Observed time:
h=11 m=13 s=20
